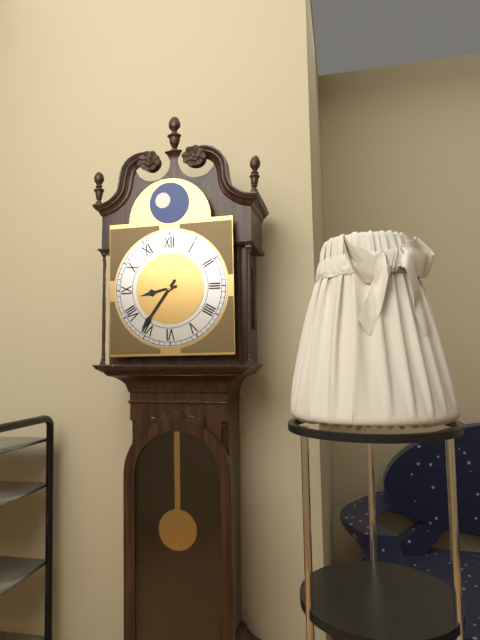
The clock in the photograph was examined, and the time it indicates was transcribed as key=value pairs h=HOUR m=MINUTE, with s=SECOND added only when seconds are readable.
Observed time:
h=8 m=36
